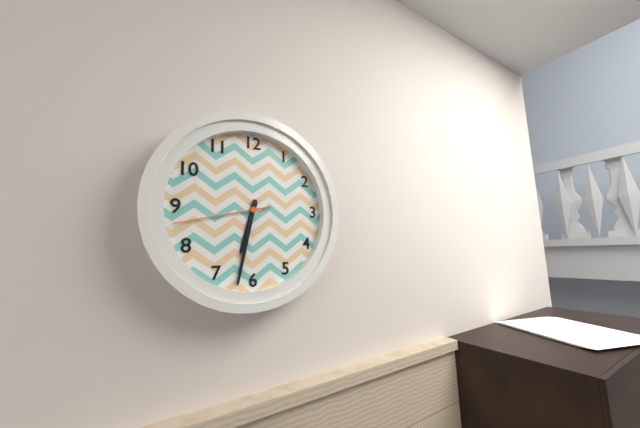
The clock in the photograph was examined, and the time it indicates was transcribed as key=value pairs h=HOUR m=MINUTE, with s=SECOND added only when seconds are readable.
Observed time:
h=6 m=32 s=43
